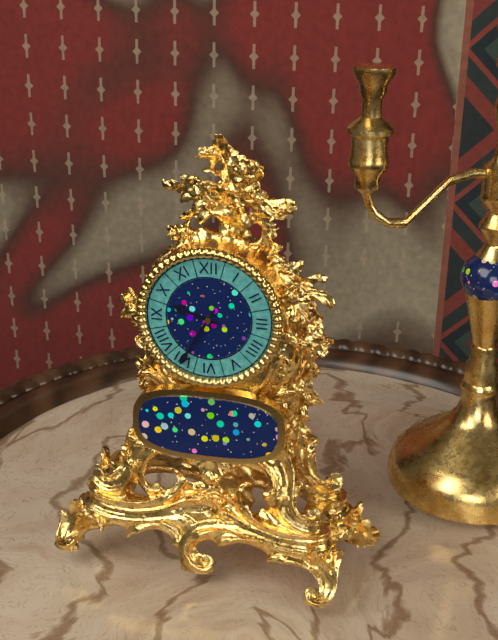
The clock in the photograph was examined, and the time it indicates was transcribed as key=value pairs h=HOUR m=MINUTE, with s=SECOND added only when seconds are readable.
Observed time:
h=9 m=35
